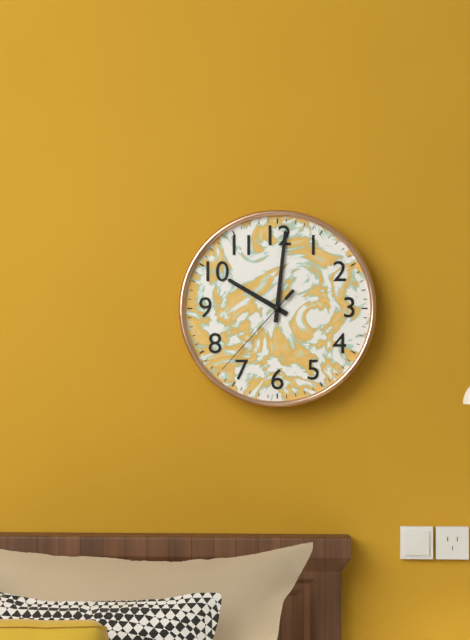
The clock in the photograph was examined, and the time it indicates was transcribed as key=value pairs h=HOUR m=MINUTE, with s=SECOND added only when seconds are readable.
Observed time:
h=10 m=1 s=37
